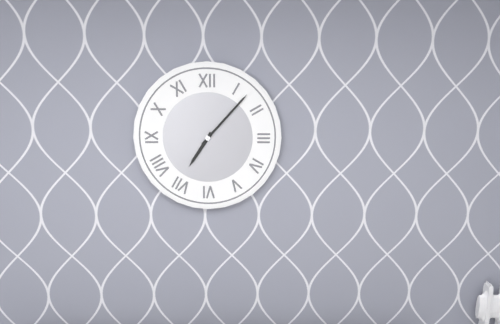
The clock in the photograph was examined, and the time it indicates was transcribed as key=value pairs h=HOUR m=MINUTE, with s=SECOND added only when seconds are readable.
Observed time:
h=7 m=7
